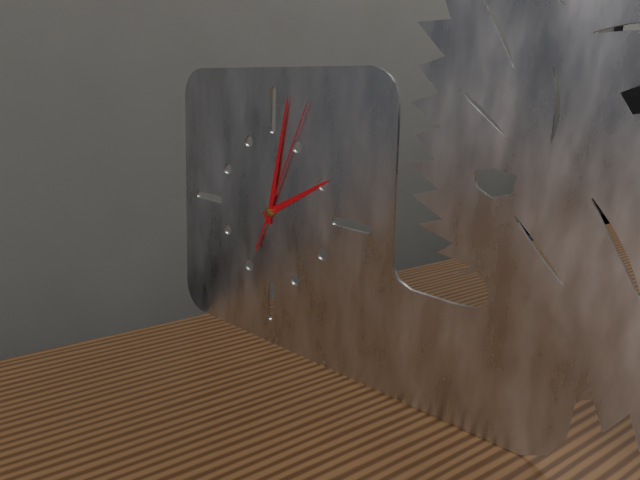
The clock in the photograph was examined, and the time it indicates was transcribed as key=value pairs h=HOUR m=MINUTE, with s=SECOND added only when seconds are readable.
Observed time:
h=2 m=2 s=4
